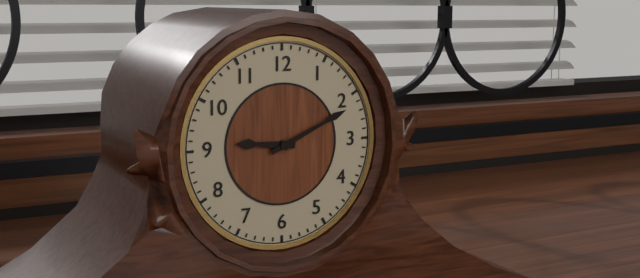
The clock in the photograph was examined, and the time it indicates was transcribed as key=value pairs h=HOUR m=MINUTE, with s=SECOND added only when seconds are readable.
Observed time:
h=9 m=11
